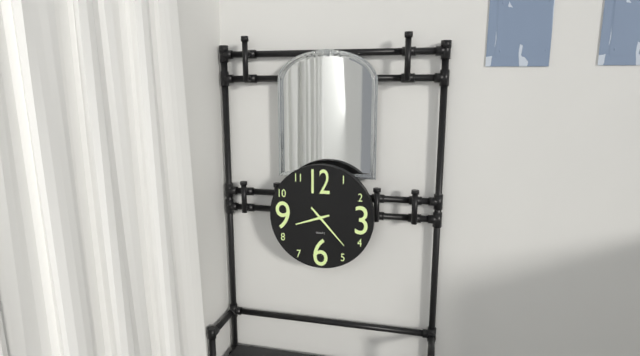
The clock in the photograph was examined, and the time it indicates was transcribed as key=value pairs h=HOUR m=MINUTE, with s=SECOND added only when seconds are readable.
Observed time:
h=8 m=23
